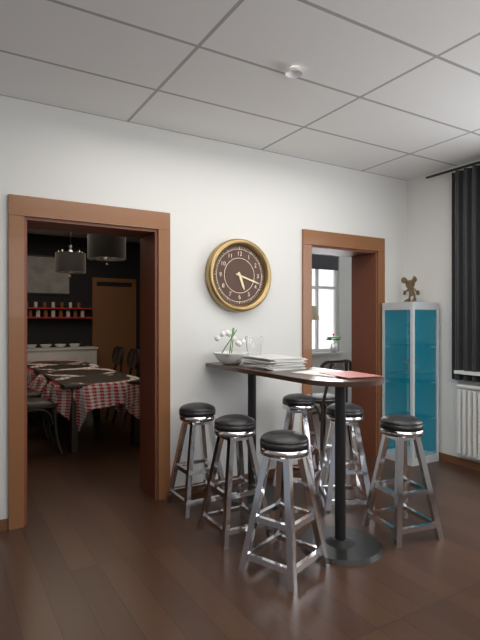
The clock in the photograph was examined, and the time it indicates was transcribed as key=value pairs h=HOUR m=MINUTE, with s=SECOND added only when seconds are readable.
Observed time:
h=5 m=18
